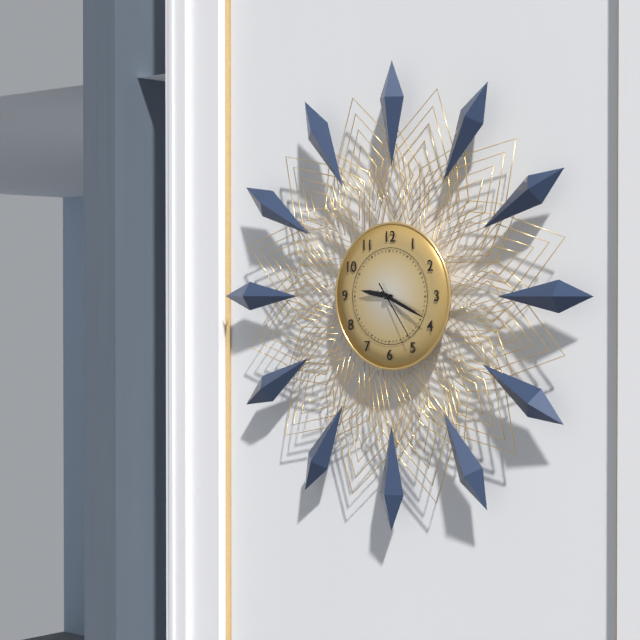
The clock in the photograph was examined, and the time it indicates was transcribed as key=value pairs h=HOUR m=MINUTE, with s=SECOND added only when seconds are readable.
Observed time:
h=9 m=19 s=24
